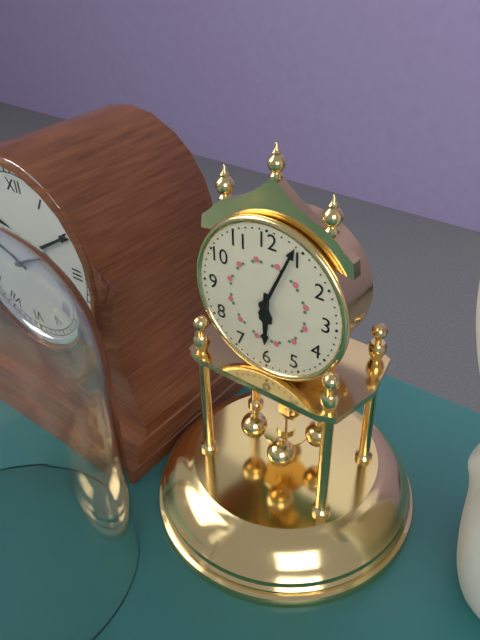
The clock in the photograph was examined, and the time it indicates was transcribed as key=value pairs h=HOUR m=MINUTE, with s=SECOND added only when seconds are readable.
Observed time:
h=6 m=4
